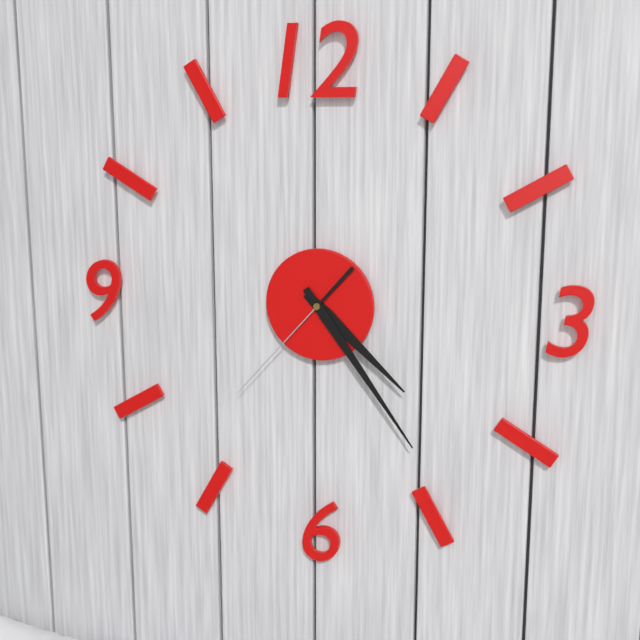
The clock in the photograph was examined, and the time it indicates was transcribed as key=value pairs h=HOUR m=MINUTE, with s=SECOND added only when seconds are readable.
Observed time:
h=4 m=24 s=37
